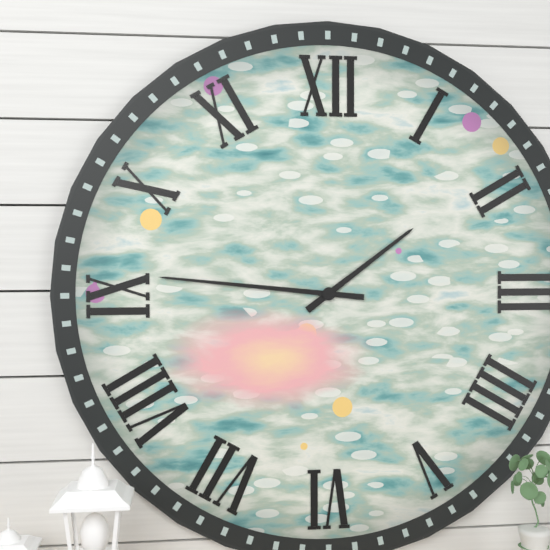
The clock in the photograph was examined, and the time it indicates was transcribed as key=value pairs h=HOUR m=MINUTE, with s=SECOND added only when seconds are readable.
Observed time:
h=1 m=46
